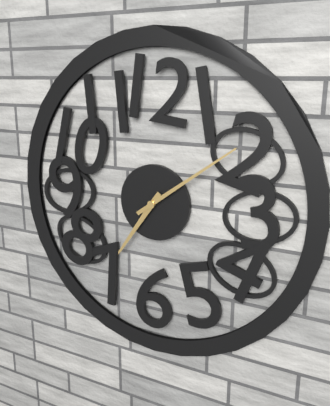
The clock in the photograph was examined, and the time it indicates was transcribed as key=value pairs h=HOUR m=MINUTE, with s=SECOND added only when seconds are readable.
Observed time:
h=7 m=9
